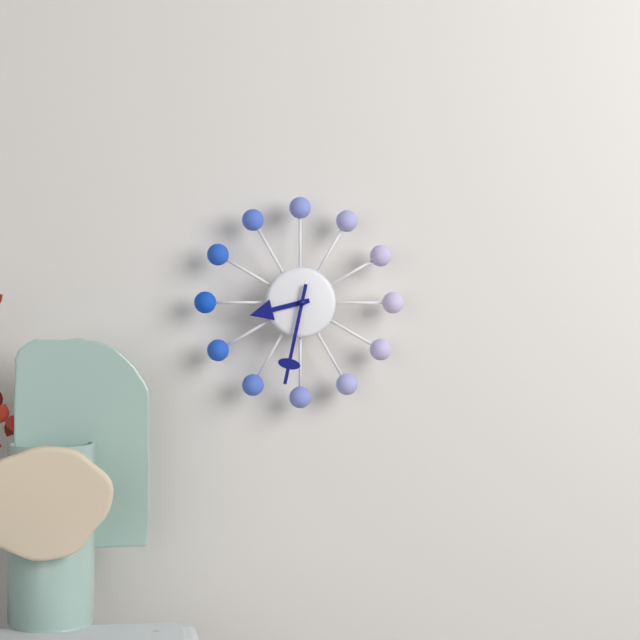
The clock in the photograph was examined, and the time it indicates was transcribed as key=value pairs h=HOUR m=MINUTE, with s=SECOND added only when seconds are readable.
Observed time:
h=8 m=32
